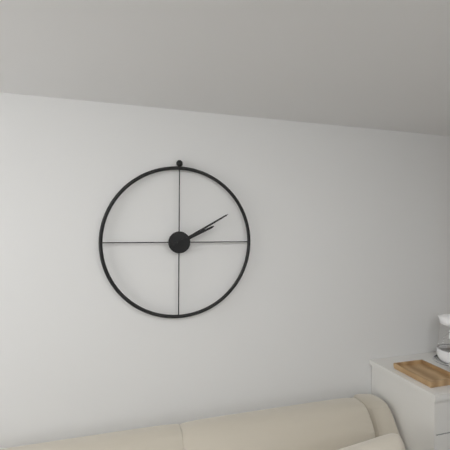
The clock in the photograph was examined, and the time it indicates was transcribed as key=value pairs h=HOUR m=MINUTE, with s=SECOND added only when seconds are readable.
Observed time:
h=2 m=10
